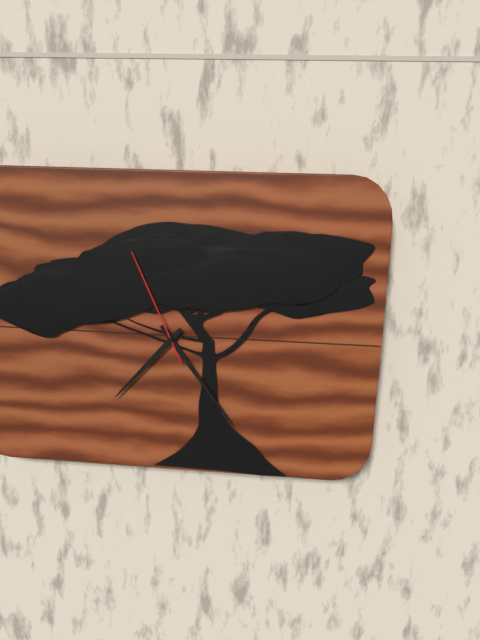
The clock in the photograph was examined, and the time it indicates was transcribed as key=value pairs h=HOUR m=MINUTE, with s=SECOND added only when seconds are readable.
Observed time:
h=7 m=24 s=56
